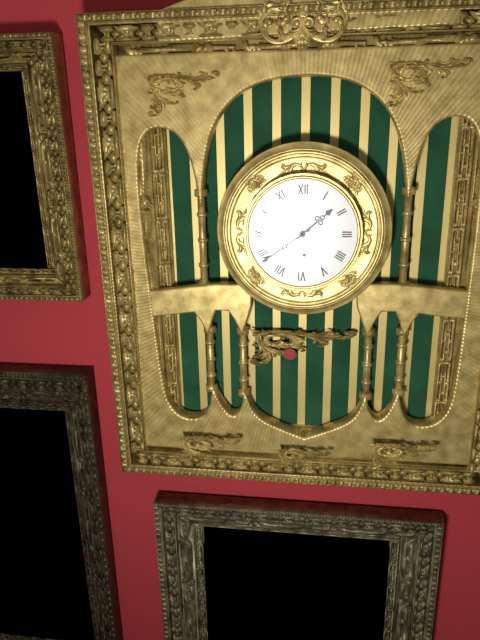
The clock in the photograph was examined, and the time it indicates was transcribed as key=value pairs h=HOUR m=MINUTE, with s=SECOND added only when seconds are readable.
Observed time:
h=1 m=39
